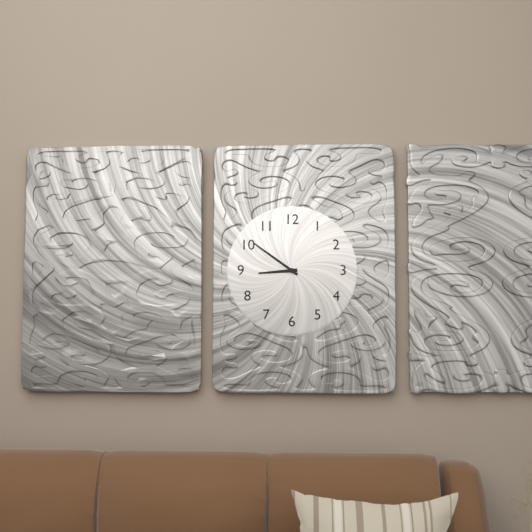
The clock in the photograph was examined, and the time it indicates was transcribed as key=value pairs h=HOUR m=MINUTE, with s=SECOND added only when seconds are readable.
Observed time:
h=8 m=51
